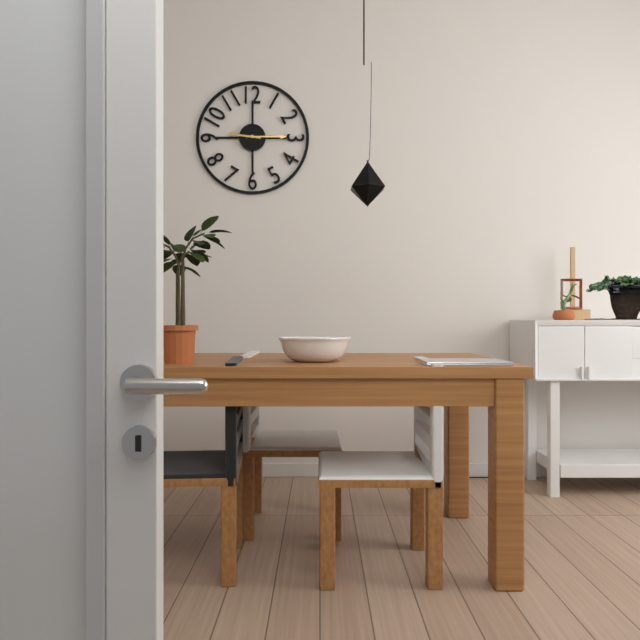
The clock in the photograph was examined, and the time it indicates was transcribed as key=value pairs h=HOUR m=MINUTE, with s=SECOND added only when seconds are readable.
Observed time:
h=9 m=15
